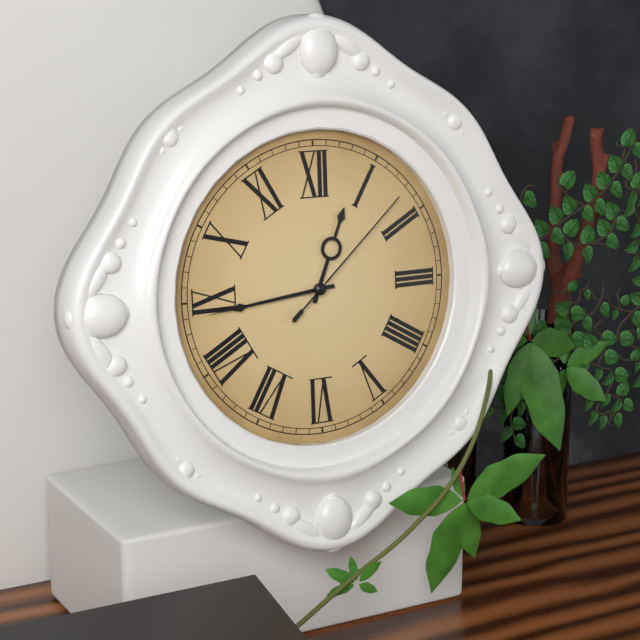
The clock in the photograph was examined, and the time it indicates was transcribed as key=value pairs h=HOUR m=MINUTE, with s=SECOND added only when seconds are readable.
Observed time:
h=12 m=44 s=8
